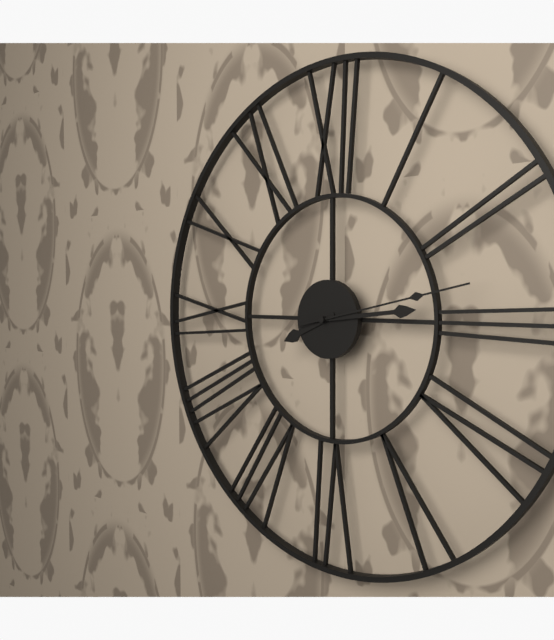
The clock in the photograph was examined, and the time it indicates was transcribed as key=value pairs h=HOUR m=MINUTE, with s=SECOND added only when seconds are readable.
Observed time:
h=8 m=14 s=13
